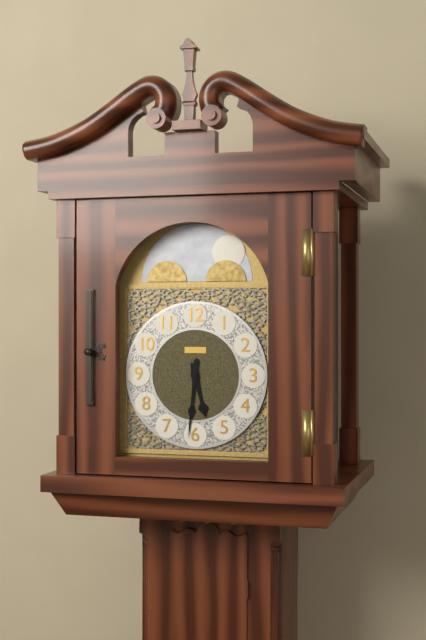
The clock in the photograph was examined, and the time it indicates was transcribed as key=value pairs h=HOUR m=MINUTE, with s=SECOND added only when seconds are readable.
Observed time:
h=5 m=31
